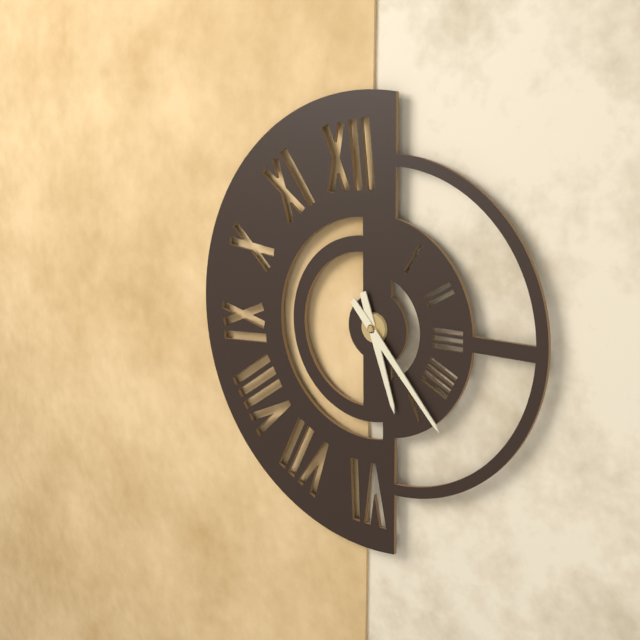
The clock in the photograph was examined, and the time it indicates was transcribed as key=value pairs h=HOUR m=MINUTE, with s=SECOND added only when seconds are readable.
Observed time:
h=5 m=23
